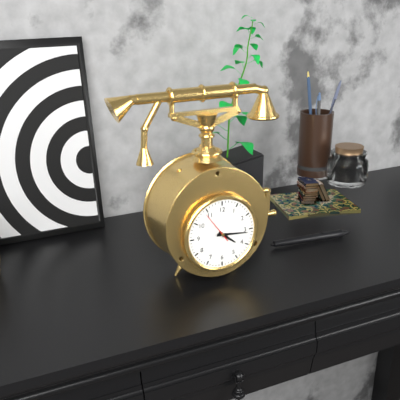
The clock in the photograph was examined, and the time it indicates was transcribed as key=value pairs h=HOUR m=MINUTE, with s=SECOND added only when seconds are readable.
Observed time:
h=4 m=16
